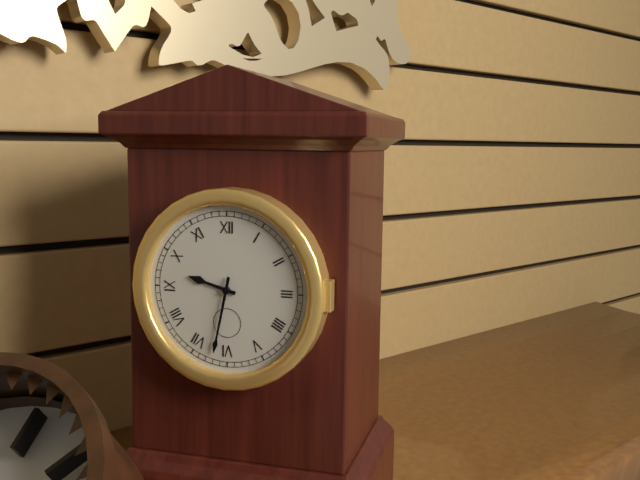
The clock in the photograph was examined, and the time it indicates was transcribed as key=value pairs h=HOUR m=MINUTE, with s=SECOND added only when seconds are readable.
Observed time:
h=9 m=32
